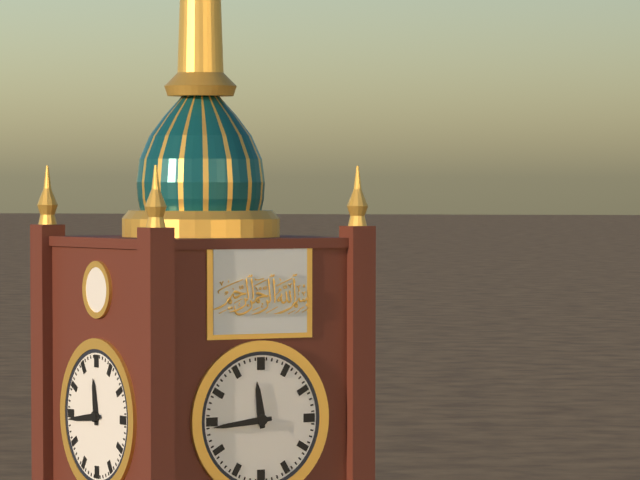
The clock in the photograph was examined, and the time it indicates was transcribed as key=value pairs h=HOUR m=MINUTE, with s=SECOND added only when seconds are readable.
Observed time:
h=11 m=44
